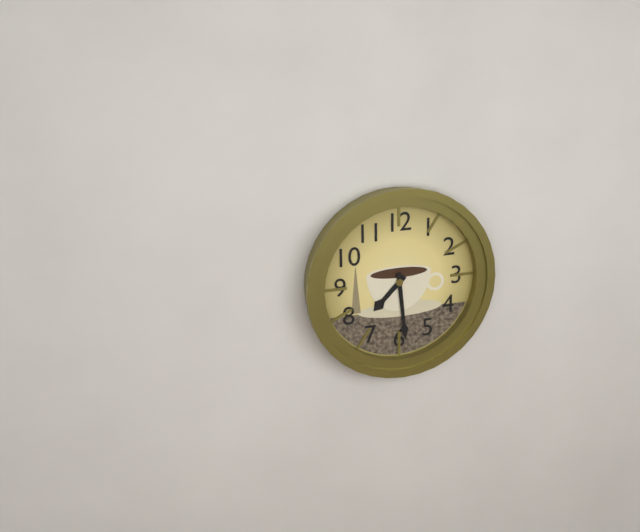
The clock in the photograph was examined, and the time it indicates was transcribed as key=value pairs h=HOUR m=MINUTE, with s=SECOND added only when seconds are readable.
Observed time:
h=7 m=29
